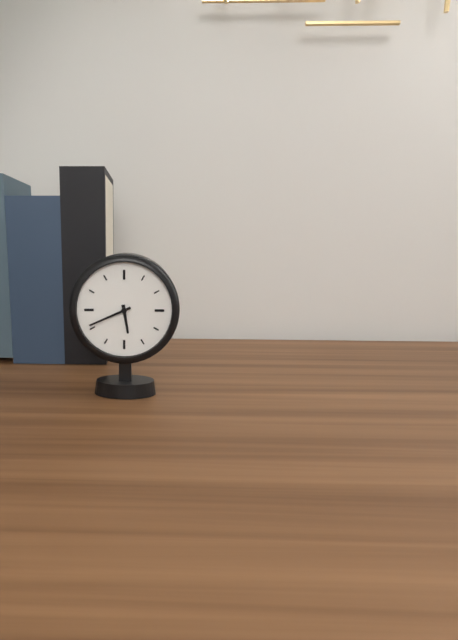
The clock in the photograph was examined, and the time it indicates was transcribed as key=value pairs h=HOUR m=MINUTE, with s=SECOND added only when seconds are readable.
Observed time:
h=5 m=41
